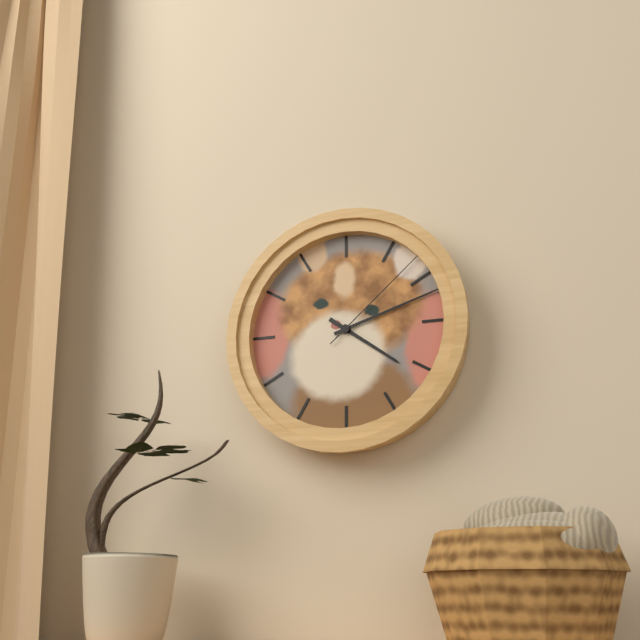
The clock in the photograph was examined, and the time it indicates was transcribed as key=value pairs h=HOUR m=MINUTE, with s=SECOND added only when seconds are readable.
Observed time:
h=4 m=12 s=8
